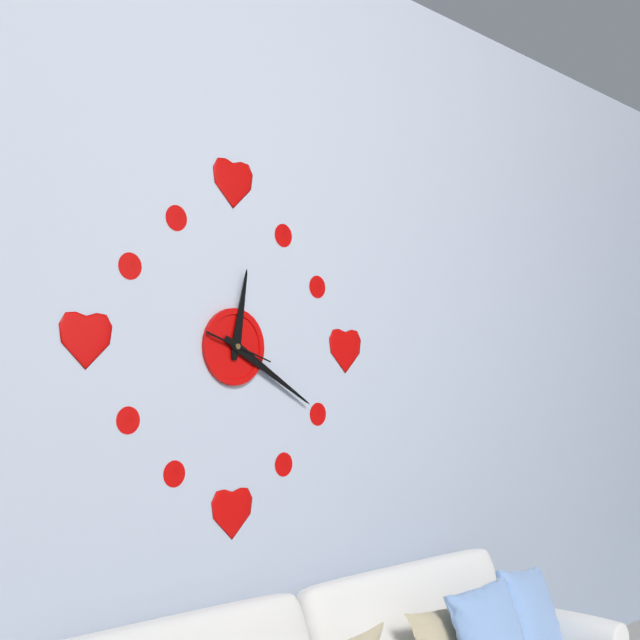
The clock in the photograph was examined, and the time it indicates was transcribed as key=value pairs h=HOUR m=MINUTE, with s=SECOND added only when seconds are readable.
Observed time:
h=12 m=20
